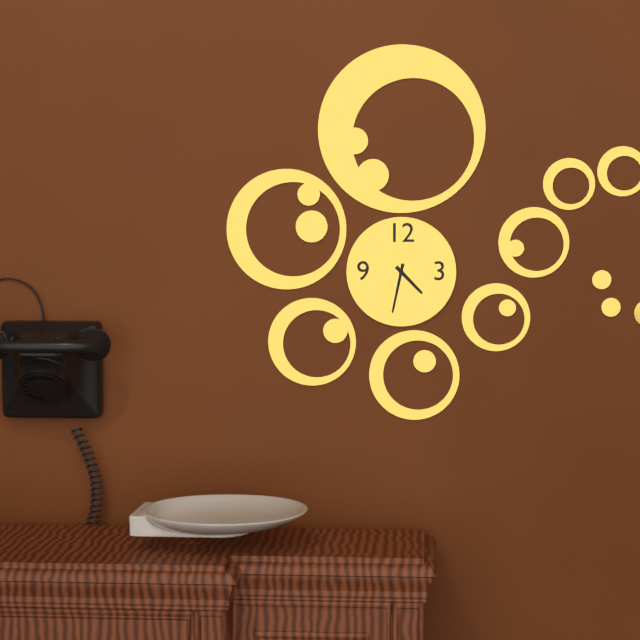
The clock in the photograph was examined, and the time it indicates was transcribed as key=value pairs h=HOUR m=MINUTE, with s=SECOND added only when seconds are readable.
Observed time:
h=4 m=32
